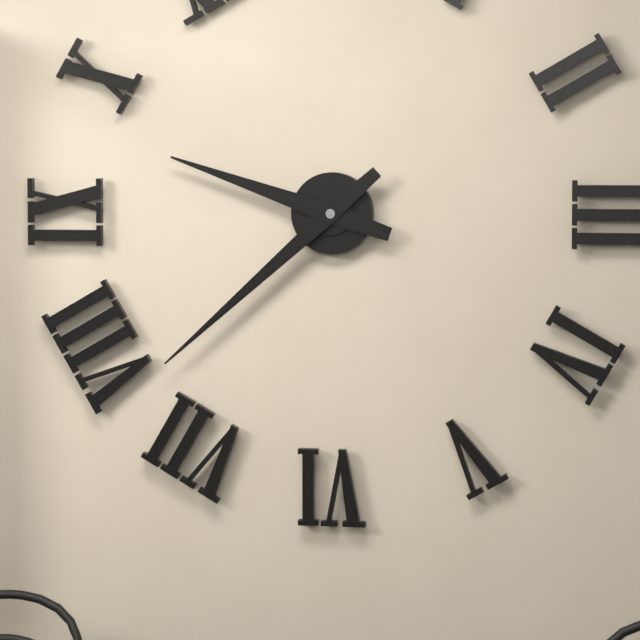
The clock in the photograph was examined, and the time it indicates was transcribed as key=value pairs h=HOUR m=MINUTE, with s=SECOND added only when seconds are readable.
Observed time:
h=9 m=38
